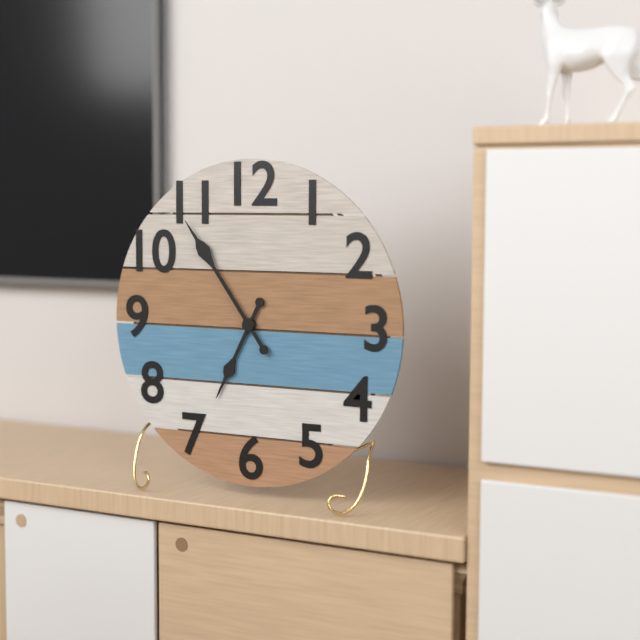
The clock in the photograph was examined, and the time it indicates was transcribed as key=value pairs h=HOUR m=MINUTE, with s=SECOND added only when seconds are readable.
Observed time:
h=6 m=54
